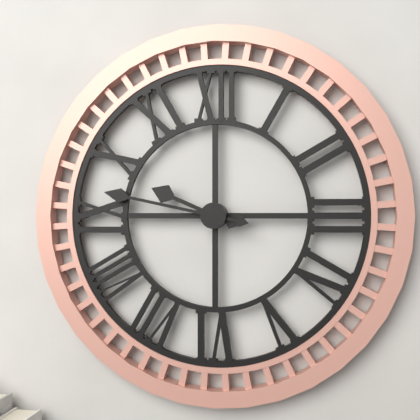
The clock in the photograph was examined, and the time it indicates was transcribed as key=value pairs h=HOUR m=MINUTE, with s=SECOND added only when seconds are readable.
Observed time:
h=9 m=47
